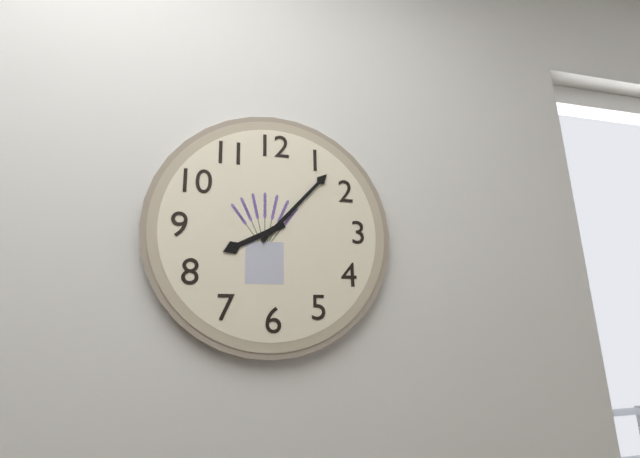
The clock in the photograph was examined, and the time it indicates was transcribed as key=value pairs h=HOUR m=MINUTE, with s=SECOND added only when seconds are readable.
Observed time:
h=8 m=7
